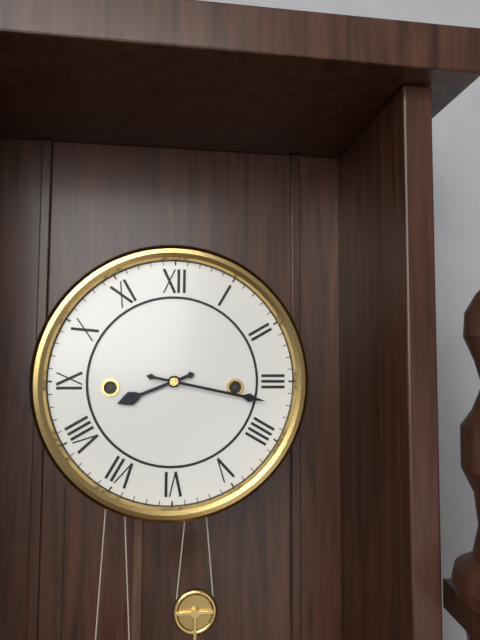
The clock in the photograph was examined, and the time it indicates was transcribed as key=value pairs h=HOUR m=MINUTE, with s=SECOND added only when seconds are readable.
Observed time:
h=8 m=17
